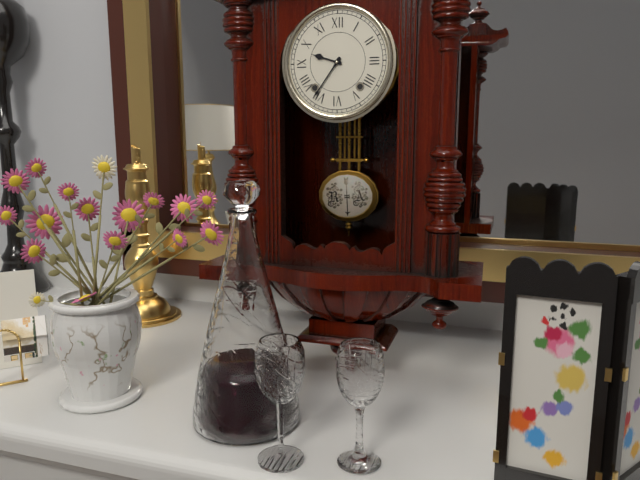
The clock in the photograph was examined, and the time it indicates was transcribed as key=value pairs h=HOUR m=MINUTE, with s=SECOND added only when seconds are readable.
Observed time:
h=9 m=36
